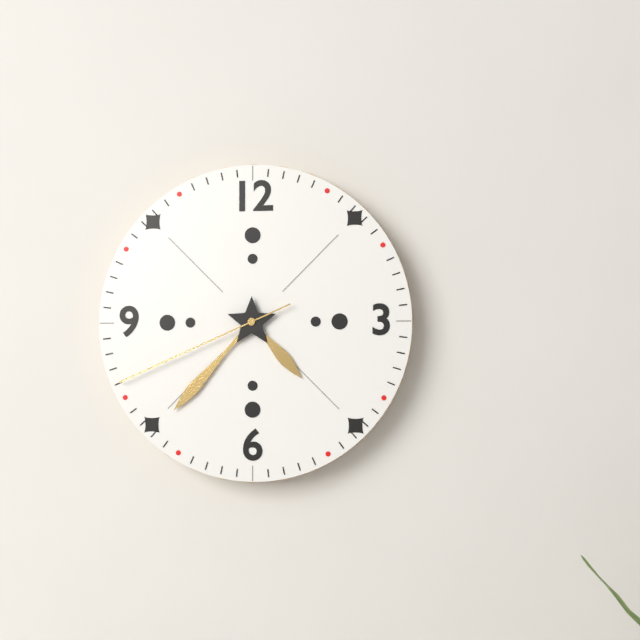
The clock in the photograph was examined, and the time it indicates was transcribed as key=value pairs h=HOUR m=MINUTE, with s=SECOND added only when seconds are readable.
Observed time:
h=4 m=37 s=41
